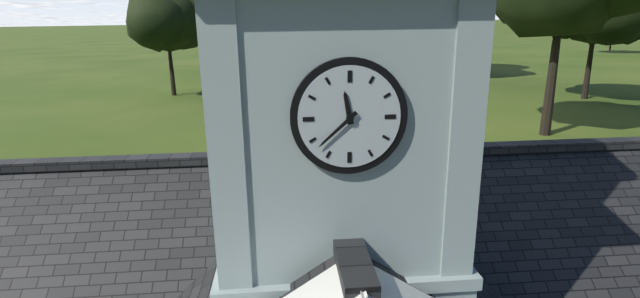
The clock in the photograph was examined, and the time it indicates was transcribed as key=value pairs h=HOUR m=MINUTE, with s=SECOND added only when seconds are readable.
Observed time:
h=11 m=38
